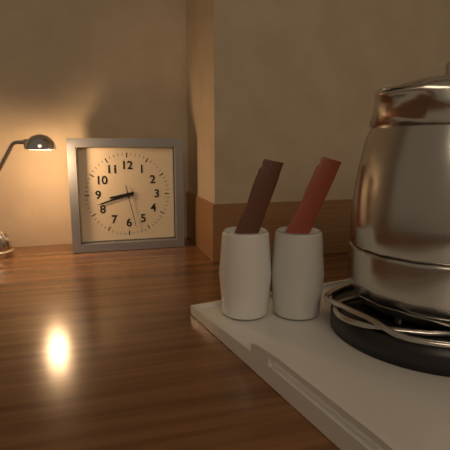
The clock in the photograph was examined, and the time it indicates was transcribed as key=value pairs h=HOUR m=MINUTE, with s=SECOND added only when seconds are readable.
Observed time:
h=8 m=42
